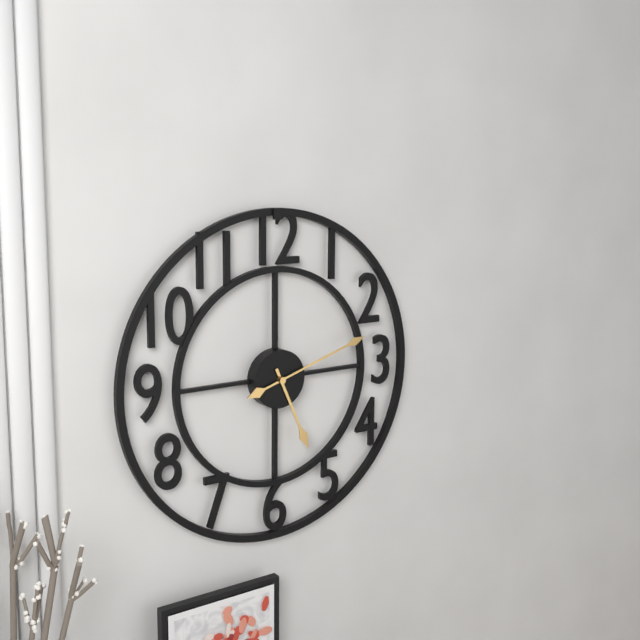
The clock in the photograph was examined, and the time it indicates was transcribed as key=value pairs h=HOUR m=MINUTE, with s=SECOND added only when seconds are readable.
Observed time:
h=5 m=12
